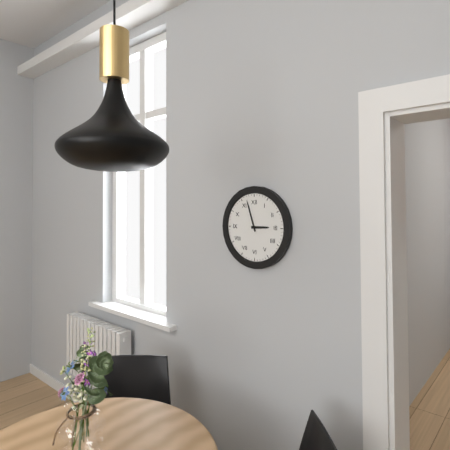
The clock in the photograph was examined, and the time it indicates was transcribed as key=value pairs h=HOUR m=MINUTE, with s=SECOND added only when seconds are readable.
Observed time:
h=2 m=57
